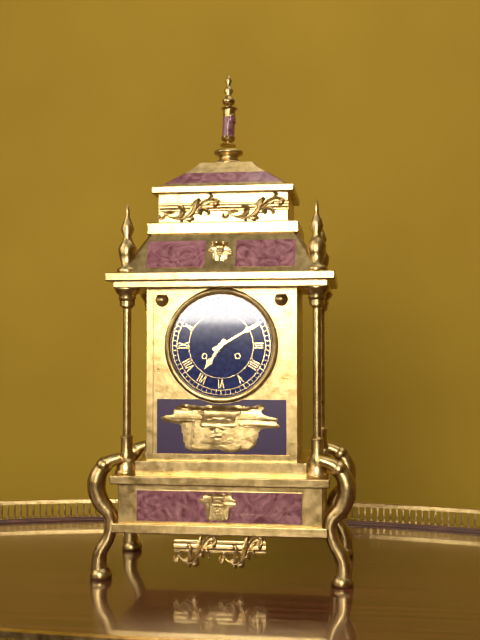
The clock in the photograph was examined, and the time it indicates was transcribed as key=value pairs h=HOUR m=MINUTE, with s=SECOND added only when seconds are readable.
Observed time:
h=7 m=10
